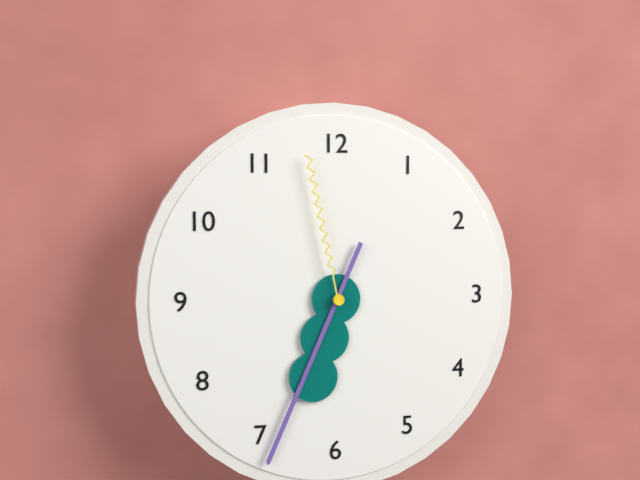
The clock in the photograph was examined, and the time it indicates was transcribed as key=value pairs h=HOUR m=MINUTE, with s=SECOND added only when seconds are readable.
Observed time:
h=6 m=34 s=58
